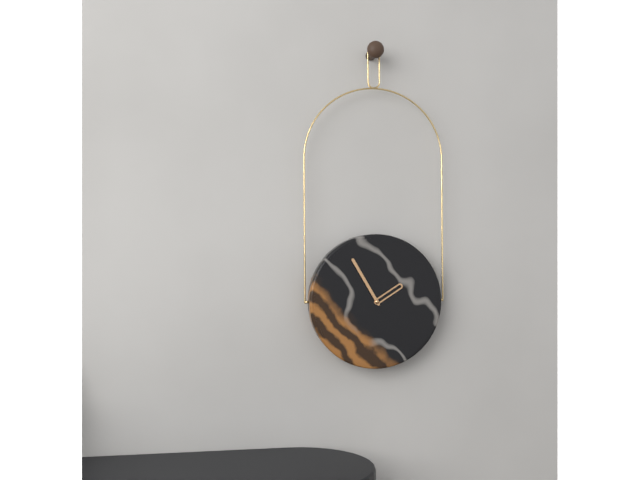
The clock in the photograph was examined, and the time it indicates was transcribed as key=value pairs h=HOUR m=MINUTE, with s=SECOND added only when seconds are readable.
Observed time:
h=1 m=55
